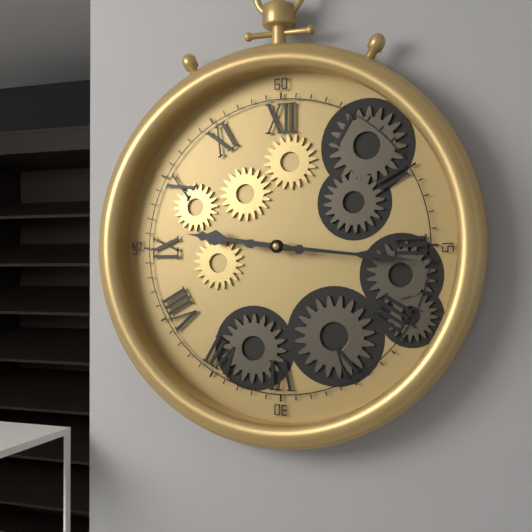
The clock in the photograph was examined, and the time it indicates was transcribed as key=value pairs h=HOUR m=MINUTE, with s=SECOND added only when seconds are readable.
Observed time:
h=9 m=16
